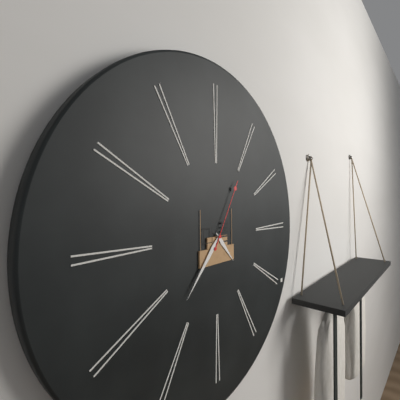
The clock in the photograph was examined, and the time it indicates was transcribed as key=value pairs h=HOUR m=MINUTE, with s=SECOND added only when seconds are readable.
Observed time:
h=4 m=37 s=5
